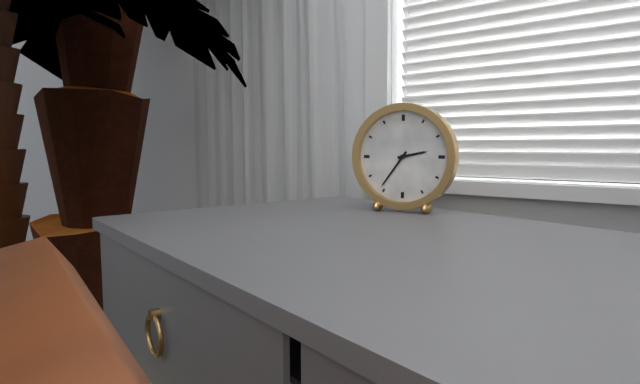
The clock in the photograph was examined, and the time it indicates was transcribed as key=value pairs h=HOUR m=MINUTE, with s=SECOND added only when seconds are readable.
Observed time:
h=2 m=36
